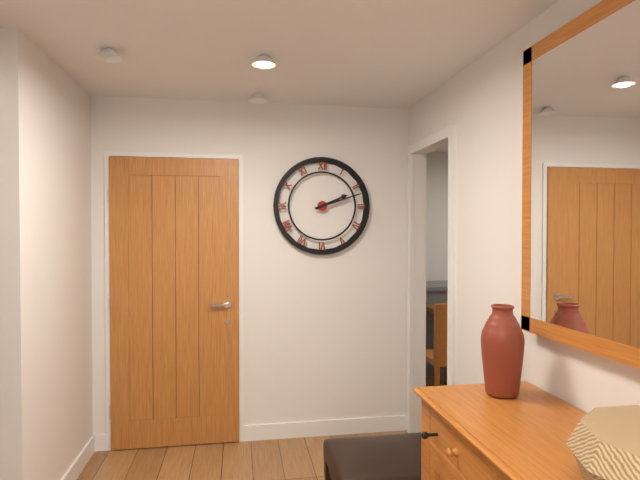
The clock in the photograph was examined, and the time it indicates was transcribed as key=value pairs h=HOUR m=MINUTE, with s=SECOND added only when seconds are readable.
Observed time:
h=2 m=12
